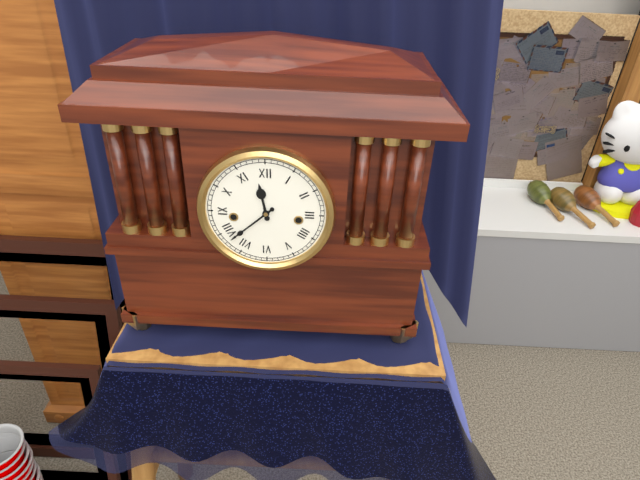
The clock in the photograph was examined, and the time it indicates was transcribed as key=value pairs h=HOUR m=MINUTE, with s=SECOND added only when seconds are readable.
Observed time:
h=11 m=38
